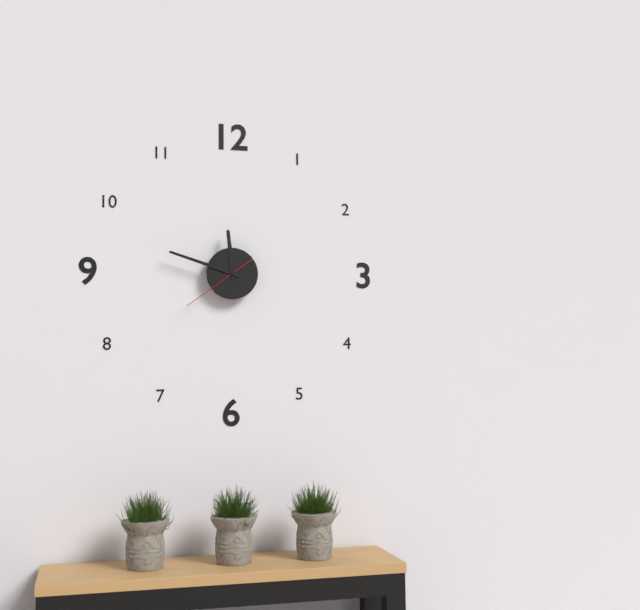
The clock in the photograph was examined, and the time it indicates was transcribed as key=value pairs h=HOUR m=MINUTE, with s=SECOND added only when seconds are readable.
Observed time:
h=11 m=48 s=39
